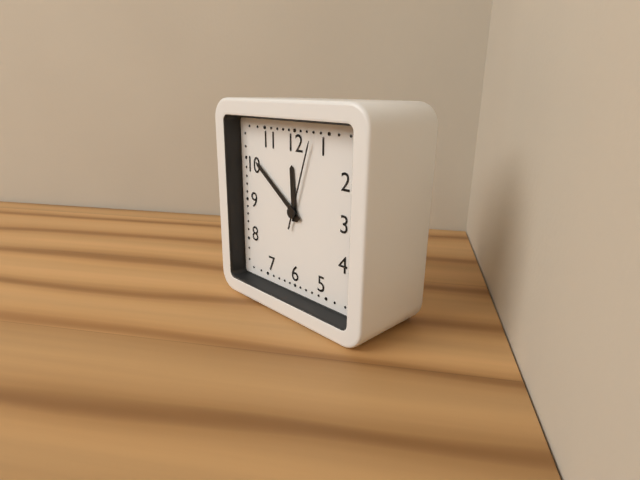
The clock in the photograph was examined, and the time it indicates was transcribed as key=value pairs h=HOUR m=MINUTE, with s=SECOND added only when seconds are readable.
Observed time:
h=11 m=51 s=3
